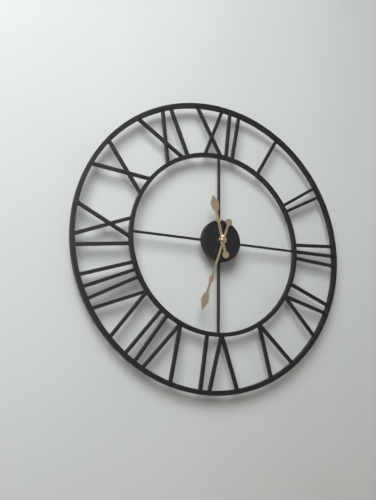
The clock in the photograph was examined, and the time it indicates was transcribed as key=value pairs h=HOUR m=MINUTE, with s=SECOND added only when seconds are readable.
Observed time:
h=11 m=33
